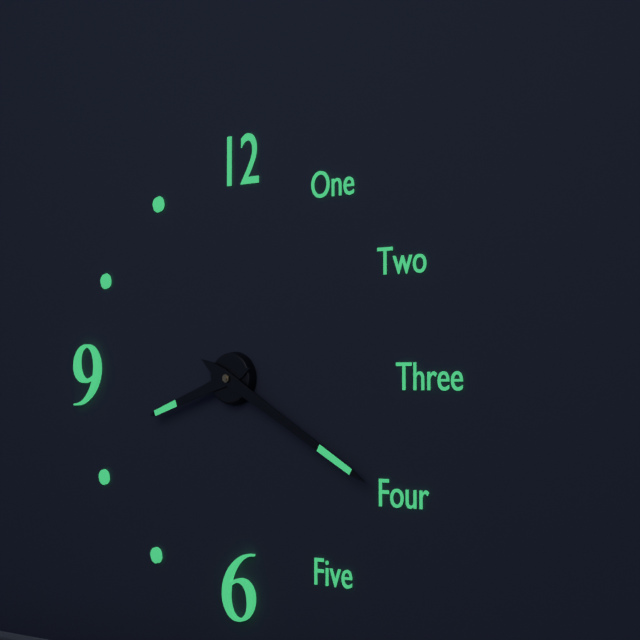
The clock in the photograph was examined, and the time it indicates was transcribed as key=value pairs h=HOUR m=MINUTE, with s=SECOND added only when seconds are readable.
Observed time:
h=8 m=20
